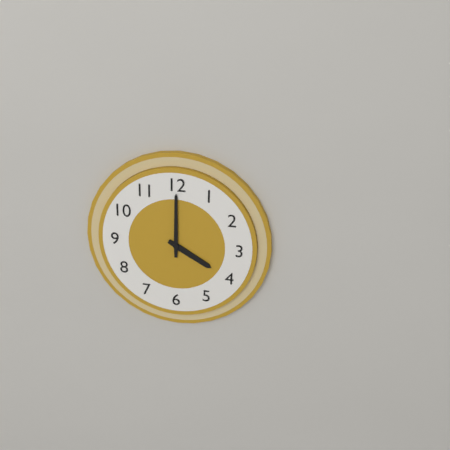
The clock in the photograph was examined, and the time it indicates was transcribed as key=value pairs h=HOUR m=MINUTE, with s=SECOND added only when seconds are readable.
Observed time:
h=4 m=0
